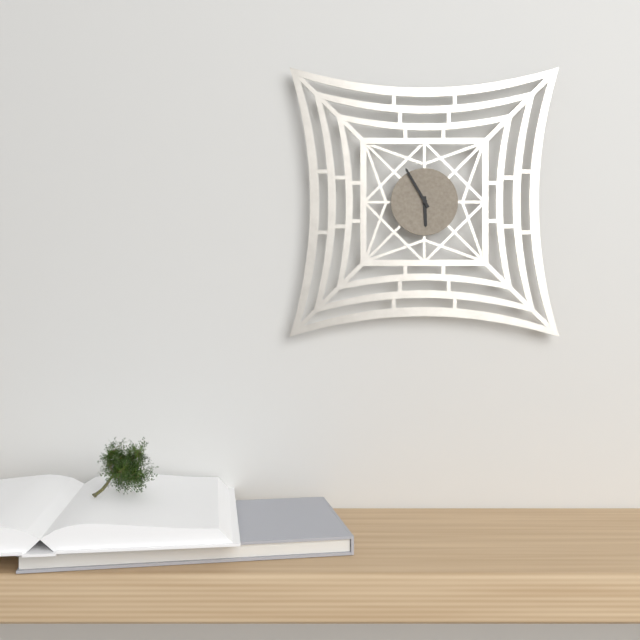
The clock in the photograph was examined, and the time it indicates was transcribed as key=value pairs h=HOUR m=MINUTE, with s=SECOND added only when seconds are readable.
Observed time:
h=5 m=55
